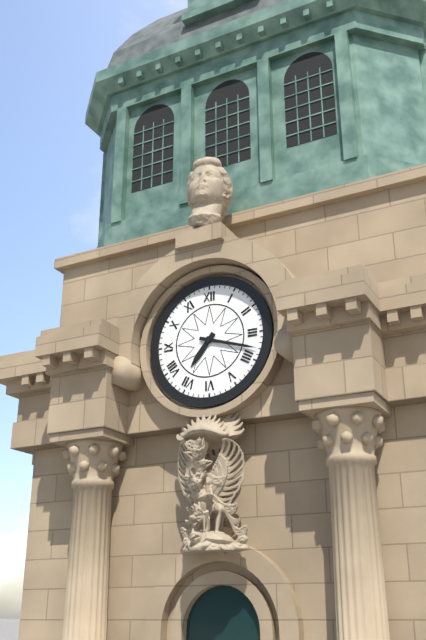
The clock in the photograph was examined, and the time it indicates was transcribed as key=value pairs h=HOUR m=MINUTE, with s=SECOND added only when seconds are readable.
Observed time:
h=7 m=18
